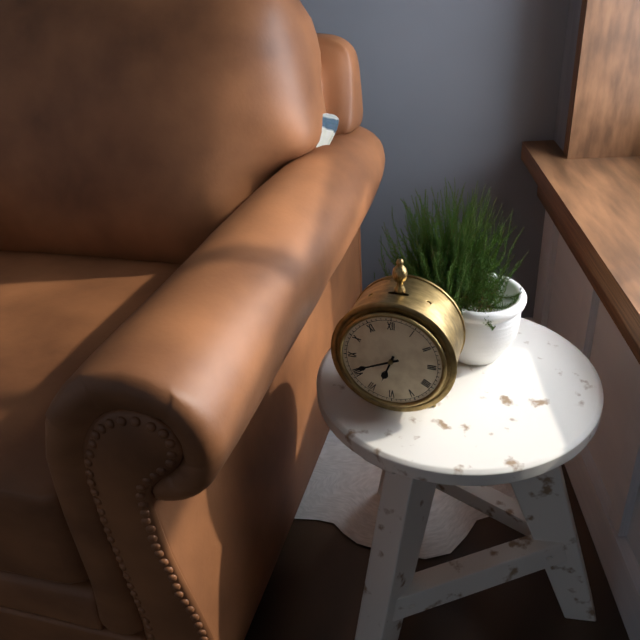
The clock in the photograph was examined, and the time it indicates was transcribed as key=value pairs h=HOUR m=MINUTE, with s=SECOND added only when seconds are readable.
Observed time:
h=6 m=41
